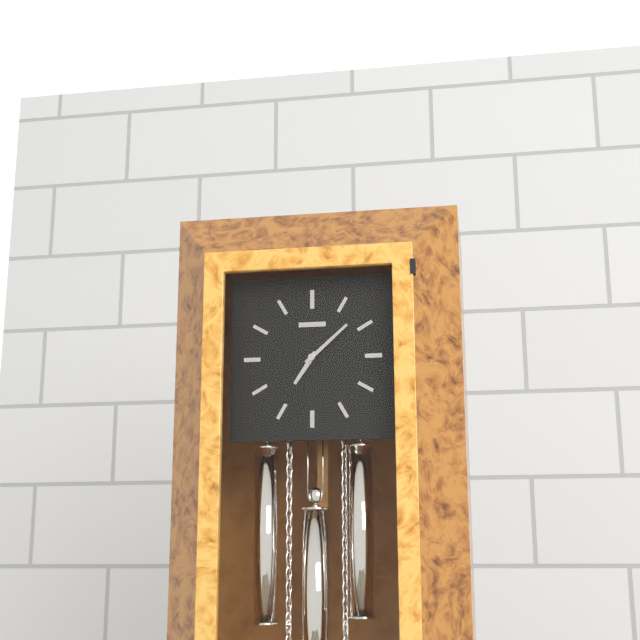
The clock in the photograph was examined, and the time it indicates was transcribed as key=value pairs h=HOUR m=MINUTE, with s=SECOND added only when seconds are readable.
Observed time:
h=7 m=8
